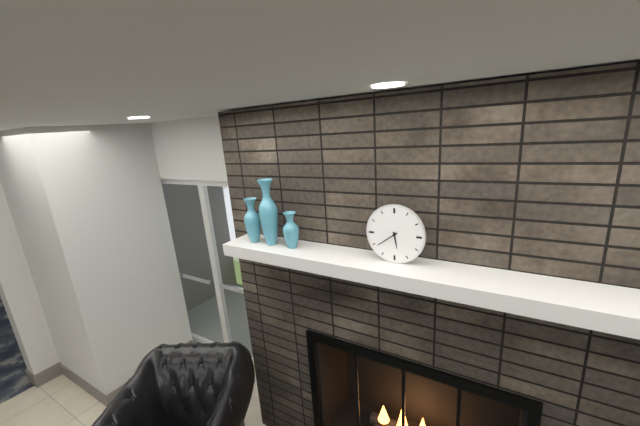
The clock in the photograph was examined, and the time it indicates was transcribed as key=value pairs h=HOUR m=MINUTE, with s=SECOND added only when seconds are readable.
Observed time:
h=5 m=39
